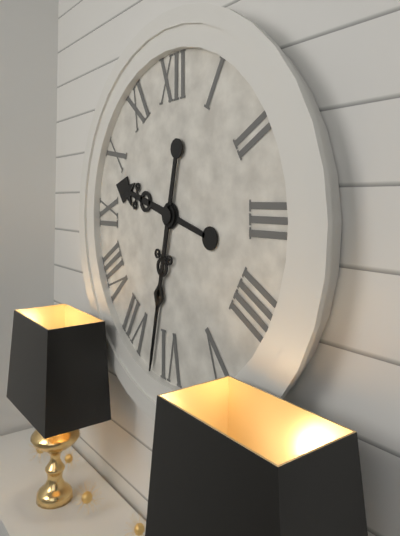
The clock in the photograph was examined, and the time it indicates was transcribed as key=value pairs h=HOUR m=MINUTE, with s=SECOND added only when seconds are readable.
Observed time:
h=9 m=32
